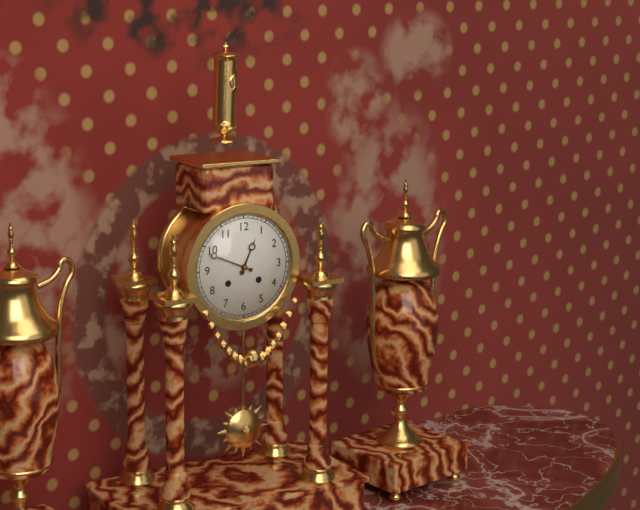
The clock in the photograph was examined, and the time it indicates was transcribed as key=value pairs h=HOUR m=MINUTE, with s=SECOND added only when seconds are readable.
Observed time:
h=12 m=49
